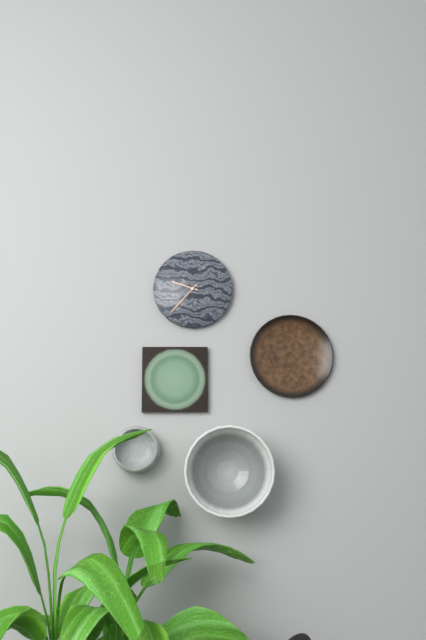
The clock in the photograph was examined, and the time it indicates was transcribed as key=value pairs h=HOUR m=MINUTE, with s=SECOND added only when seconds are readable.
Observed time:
h=9 m=37
